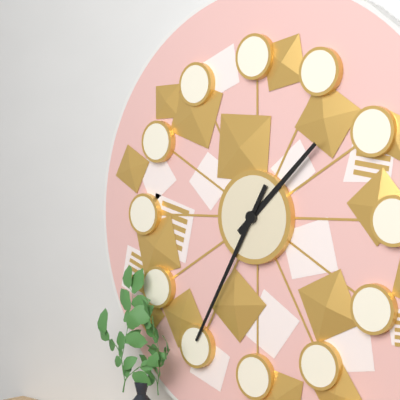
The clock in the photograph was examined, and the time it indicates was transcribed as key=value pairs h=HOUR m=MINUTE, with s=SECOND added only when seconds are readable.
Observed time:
h=1 m=35
